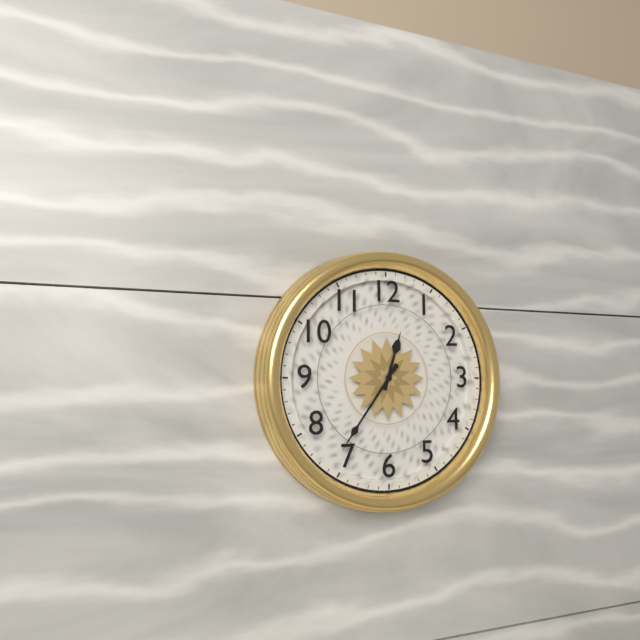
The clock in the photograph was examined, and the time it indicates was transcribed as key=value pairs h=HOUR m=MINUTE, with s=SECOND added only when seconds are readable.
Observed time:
h=12 m=36
